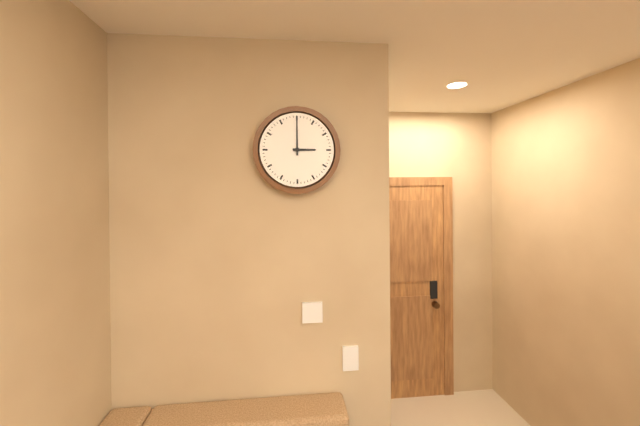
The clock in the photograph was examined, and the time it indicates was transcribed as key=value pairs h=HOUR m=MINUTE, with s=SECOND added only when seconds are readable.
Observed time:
h=3 m=0
